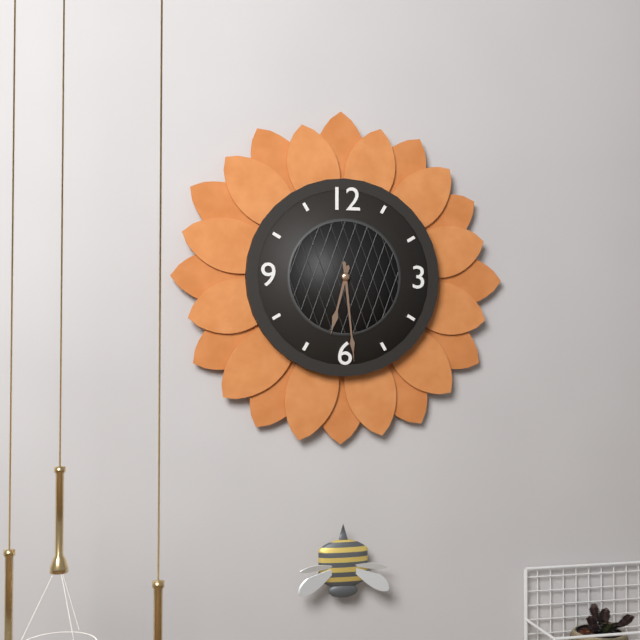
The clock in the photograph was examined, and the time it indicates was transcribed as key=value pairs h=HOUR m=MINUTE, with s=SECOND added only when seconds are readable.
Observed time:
h=6 m=29
